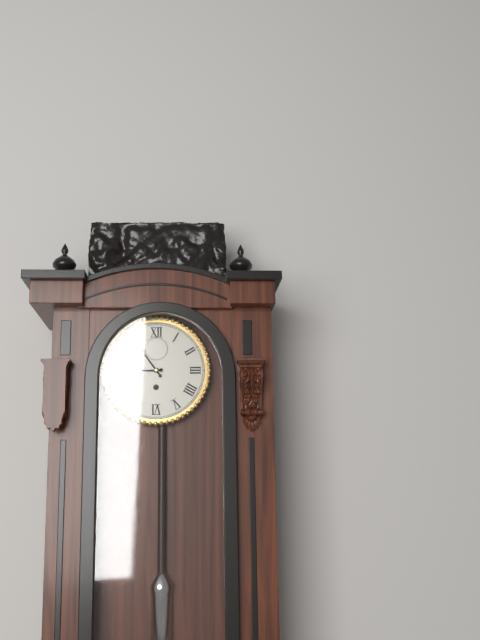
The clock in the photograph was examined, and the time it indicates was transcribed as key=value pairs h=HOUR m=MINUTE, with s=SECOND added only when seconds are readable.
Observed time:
h=8 m=54
